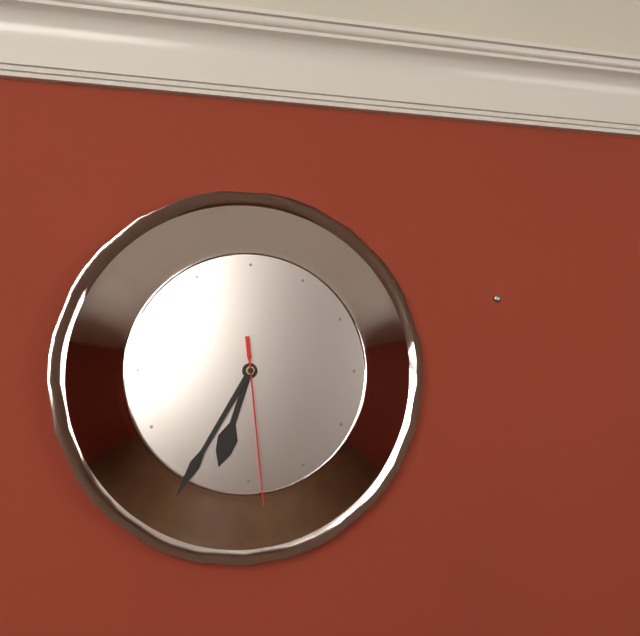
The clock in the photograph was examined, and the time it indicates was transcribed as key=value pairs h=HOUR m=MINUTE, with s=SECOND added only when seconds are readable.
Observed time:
h=6 m=35 s=29
